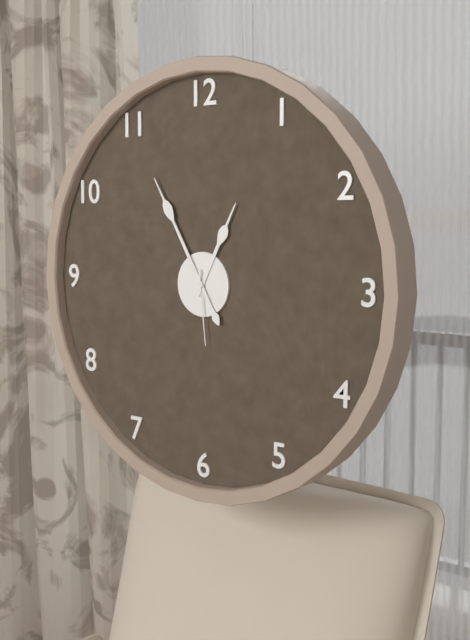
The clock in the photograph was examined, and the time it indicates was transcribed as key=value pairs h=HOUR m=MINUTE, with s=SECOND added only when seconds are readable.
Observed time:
h=12 m=55 s=29
